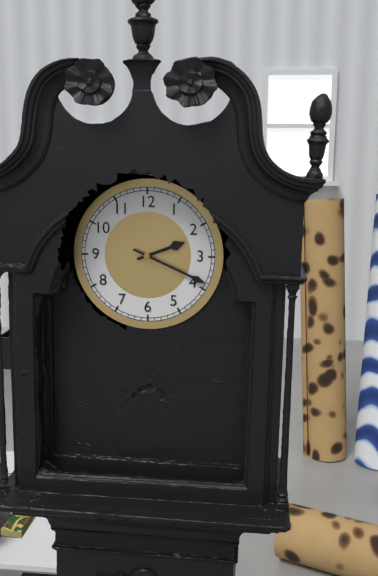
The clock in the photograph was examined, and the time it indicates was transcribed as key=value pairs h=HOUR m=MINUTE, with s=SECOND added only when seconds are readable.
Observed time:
h=2 m=19
